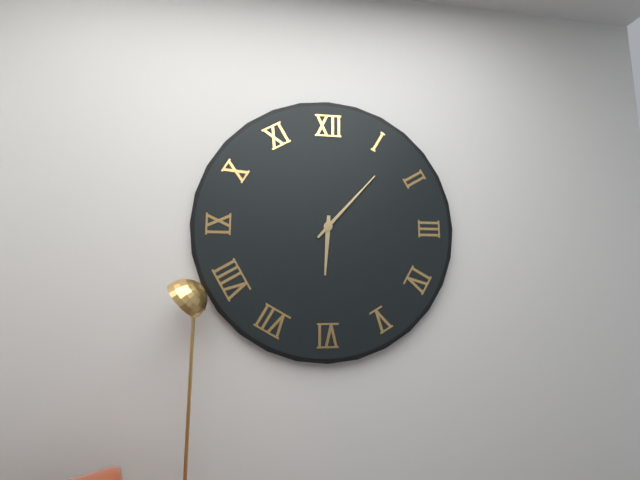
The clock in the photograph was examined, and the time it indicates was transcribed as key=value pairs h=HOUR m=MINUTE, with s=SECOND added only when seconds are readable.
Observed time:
h=6 m=7
